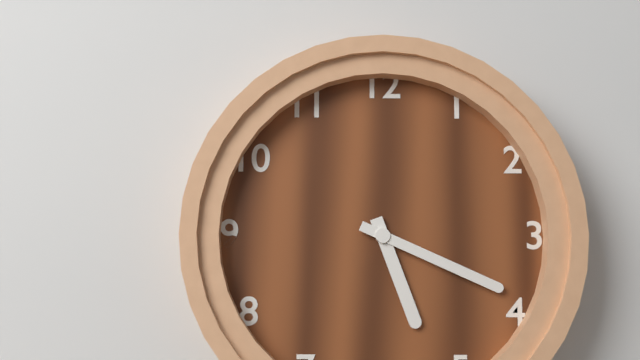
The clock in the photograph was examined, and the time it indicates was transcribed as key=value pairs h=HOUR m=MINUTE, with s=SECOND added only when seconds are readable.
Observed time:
h=5 m=19
